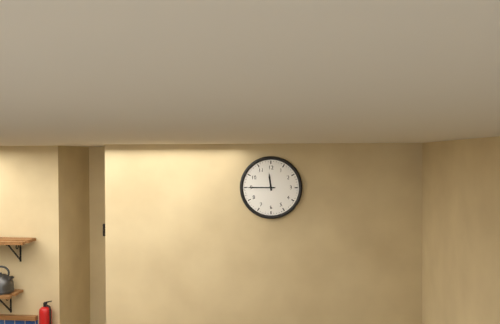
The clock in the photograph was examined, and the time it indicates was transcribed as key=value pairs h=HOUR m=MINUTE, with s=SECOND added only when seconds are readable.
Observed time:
h=11 m=45
